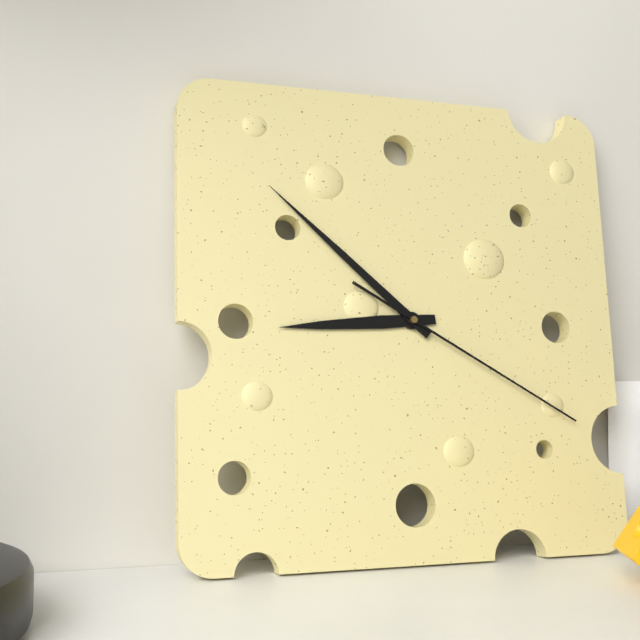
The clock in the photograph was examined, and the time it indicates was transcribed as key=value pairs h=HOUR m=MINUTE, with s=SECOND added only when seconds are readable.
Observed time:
h=8 m=52 s=20
